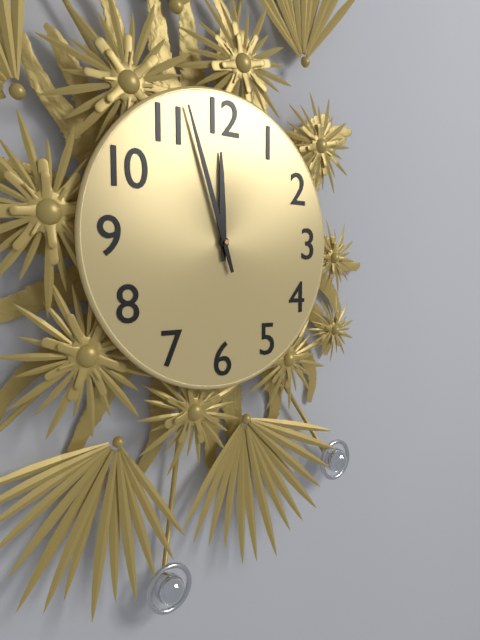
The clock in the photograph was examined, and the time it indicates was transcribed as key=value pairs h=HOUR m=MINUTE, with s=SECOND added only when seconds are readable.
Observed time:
h=11 m=57
